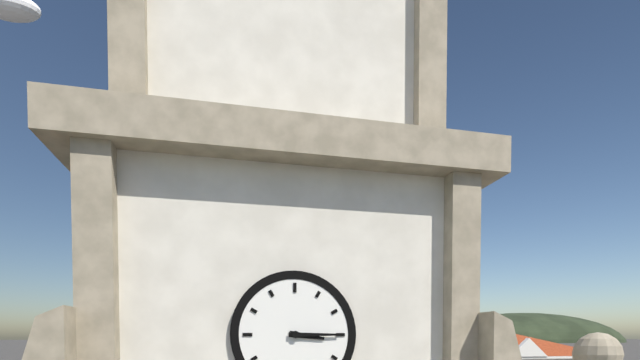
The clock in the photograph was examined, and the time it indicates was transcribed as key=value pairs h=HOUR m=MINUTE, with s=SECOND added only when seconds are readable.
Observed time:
h=3 m=15
